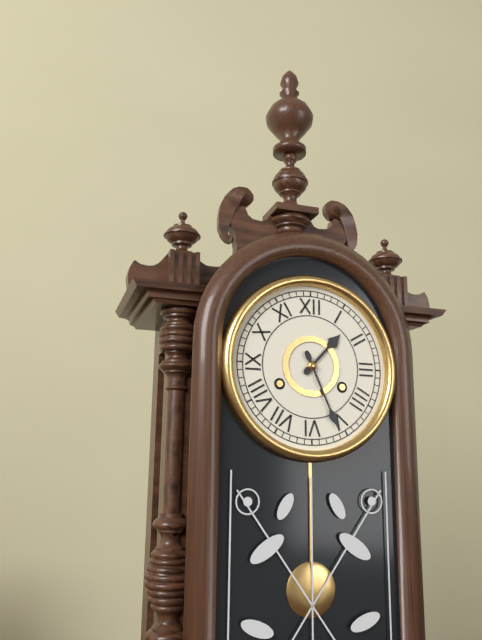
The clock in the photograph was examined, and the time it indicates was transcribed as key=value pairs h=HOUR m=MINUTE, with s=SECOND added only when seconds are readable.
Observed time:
h=1 m=26
